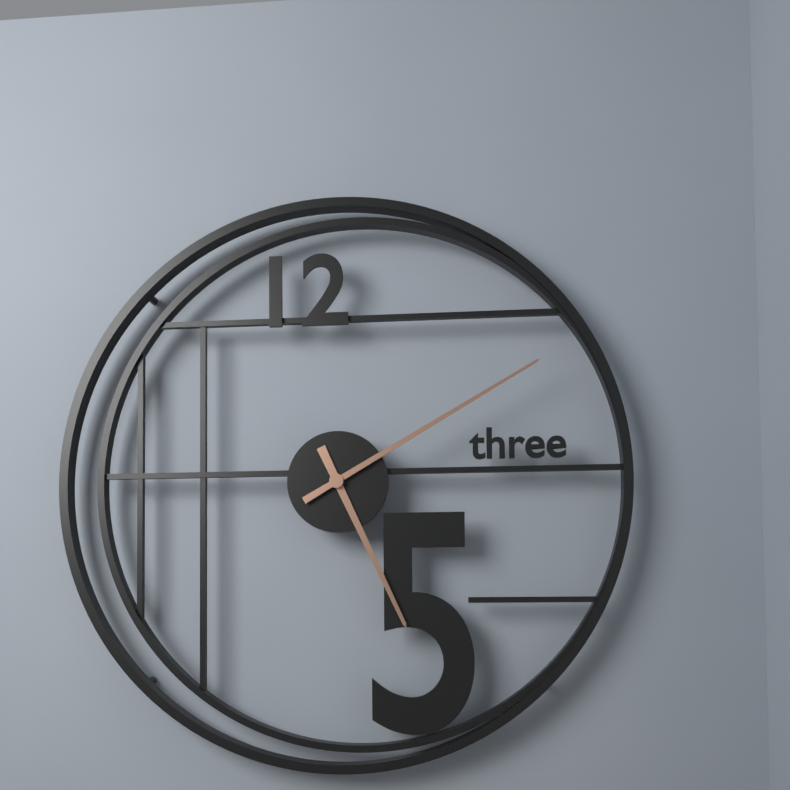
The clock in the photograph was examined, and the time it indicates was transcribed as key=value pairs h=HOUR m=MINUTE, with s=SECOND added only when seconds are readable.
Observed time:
h=5 m=10
